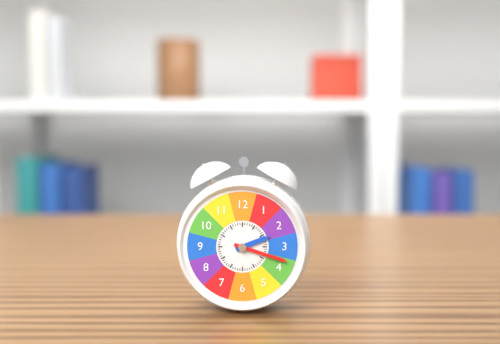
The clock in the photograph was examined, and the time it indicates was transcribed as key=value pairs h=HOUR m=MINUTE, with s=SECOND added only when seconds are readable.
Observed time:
h=2 m=18
